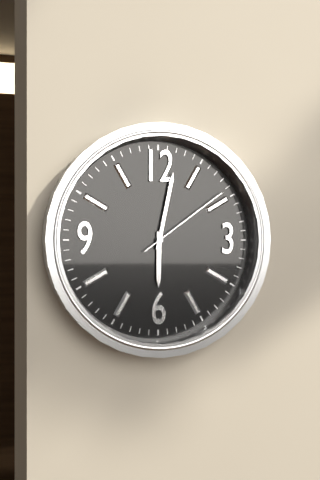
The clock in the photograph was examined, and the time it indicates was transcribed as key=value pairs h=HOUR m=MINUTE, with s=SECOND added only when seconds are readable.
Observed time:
h=6 m=2 s=9
